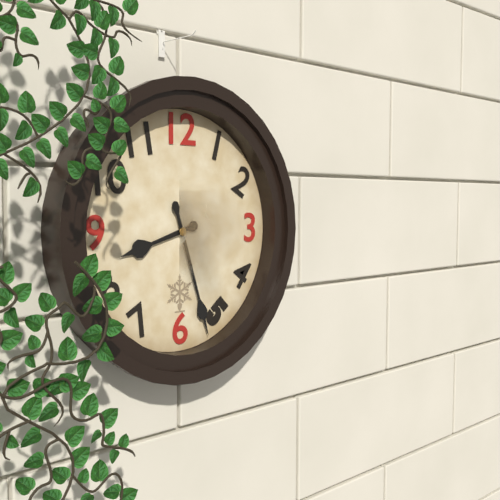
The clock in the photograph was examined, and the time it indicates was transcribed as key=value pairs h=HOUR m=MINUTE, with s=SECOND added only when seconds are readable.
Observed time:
h=8 m=27
